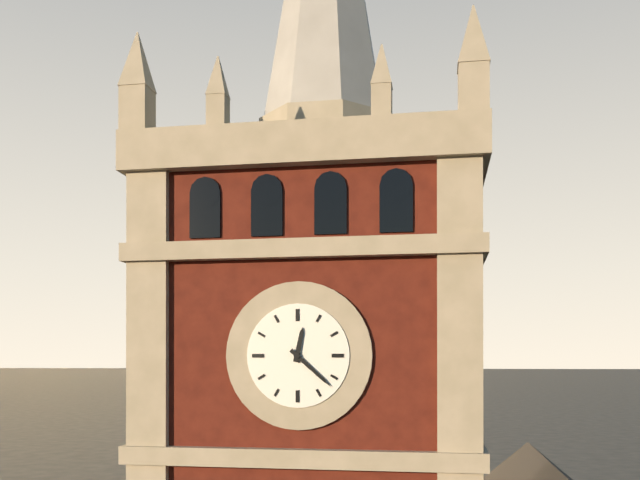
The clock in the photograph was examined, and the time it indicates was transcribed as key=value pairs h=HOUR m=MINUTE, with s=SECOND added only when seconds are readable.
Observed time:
h=12 m=22
